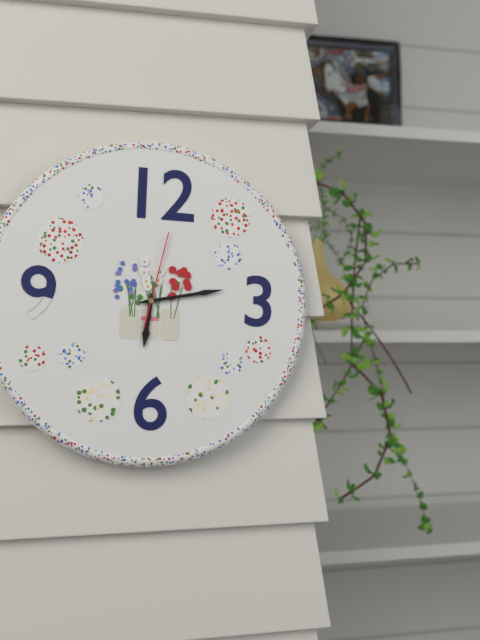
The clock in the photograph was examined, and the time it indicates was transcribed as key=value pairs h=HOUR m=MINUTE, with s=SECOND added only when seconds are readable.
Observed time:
h=6 m=13 s=2
